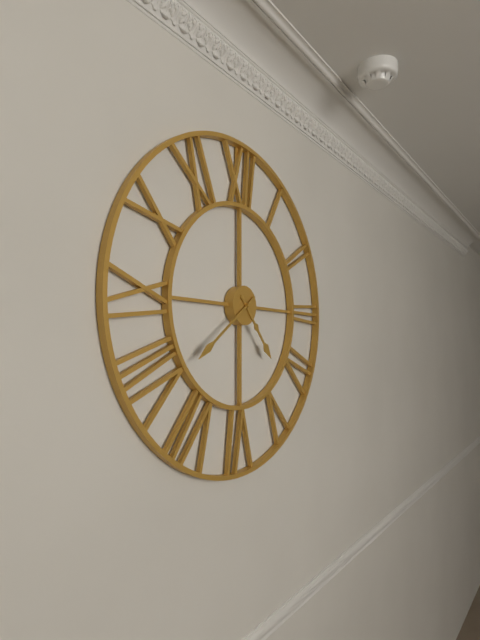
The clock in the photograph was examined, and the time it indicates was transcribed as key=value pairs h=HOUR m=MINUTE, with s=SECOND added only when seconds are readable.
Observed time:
h=4 m=39
